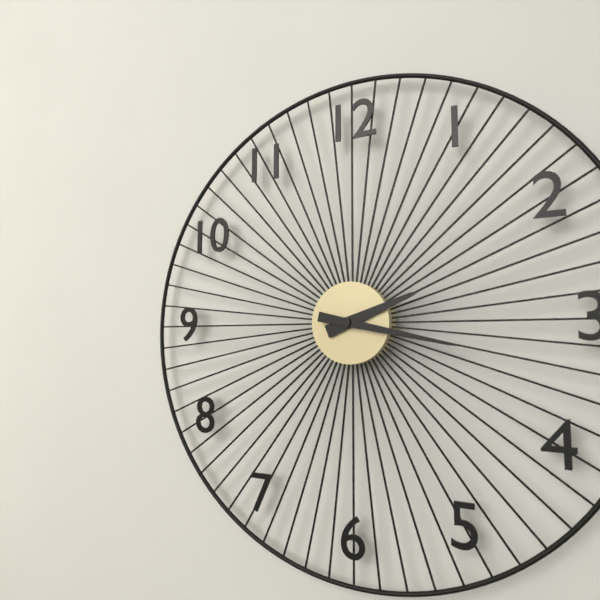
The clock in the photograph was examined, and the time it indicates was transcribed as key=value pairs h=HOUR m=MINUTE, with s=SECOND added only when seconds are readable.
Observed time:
h=2 m=17
